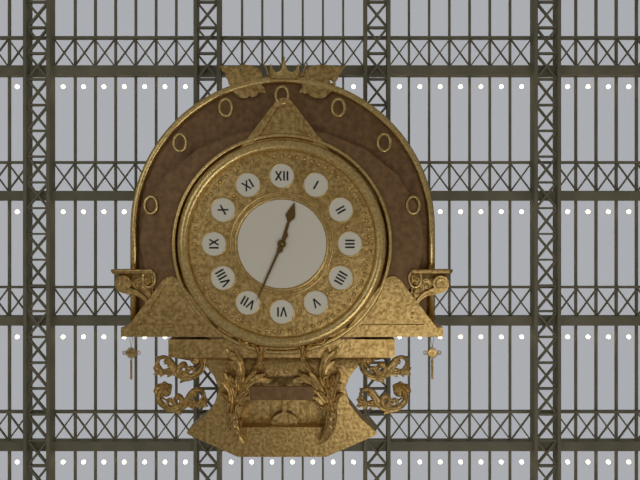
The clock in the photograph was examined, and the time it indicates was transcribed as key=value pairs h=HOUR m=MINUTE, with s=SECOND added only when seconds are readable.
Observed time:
h=12 m=34
